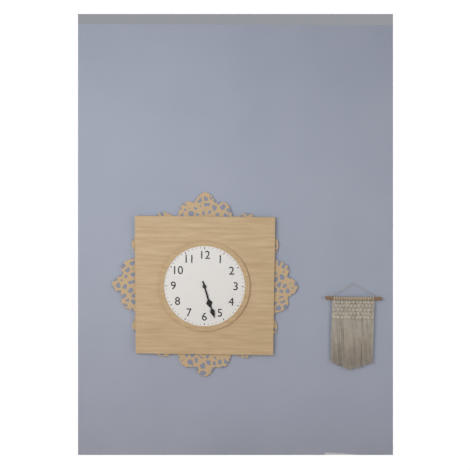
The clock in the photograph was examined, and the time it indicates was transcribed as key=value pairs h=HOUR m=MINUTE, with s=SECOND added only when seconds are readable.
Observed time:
h=5 m=27
